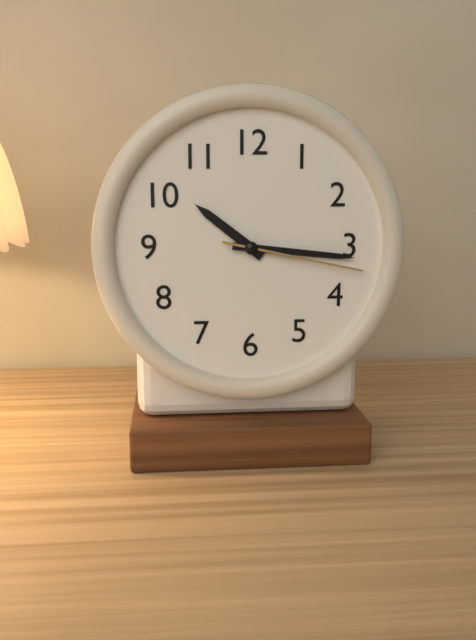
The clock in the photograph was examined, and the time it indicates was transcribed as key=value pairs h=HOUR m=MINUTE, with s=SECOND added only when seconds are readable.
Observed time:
h=10 m=16 s=17
